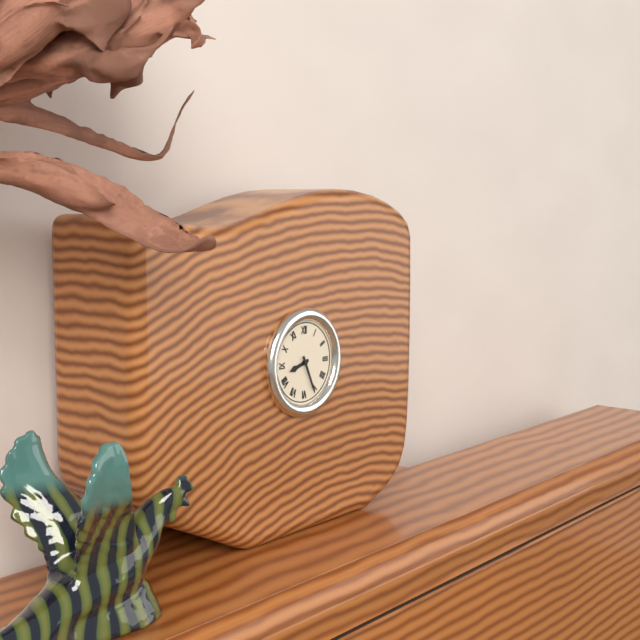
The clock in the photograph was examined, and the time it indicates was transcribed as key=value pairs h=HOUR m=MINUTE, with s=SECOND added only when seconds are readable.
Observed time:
h=8 m=26
